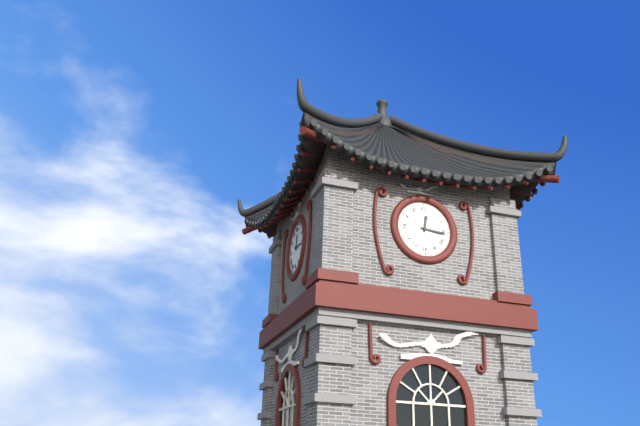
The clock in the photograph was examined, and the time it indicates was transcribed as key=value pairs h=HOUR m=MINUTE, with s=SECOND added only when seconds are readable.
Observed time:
h=12 m=16
